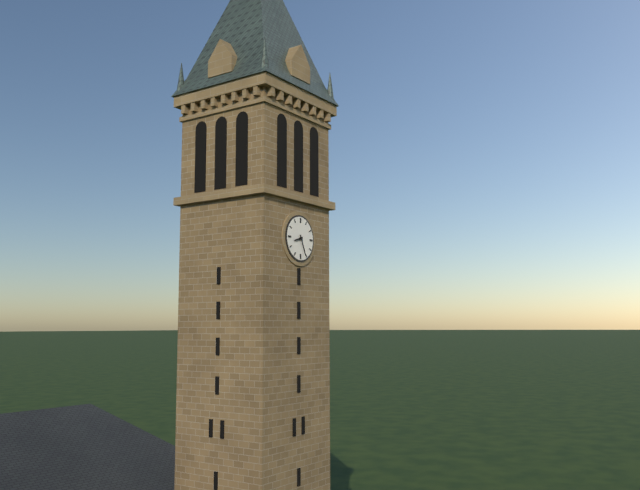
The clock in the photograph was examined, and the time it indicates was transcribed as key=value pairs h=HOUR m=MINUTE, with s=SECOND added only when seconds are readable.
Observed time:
h=8 m=26
